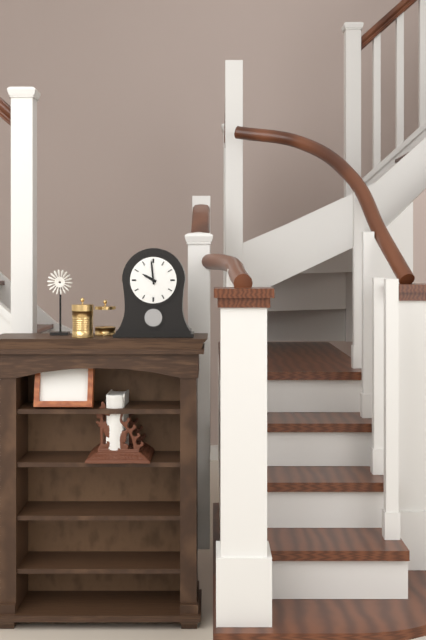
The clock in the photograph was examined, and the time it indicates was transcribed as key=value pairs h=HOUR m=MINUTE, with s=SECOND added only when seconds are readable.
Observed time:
h=9 m=59
